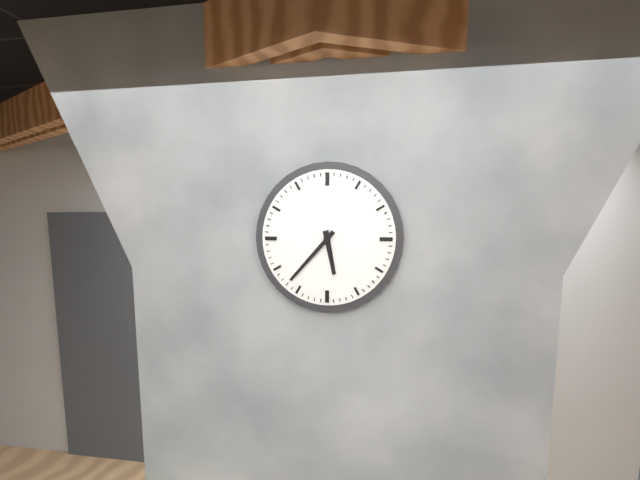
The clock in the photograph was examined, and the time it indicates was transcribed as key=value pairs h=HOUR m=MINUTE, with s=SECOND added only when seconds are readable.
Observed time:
h=5 m=37
